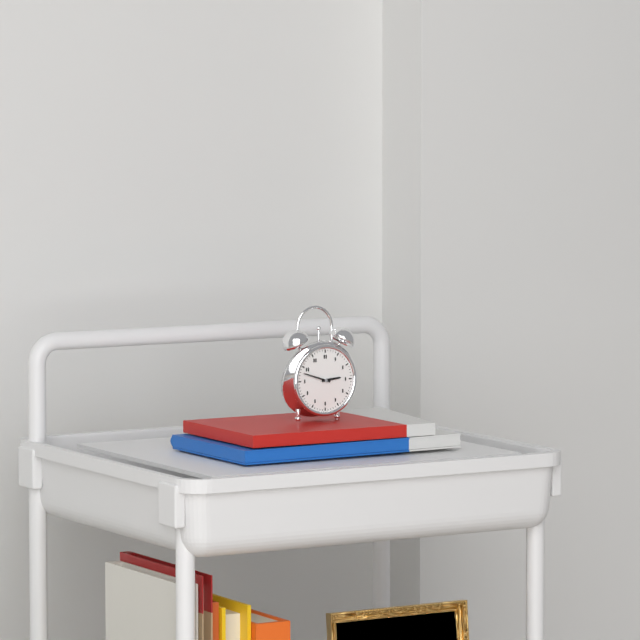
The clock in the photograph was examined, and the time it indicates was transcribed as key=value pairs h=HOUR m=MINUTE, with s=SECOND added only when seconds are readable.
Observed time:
h=2 m=48
